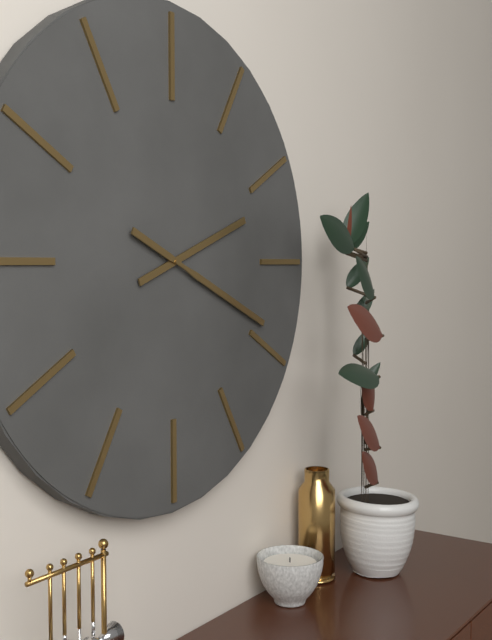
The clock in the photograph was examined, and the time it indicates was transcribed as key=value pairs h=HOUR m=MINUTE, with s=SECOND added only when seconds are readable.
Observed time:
h=2 m=19
